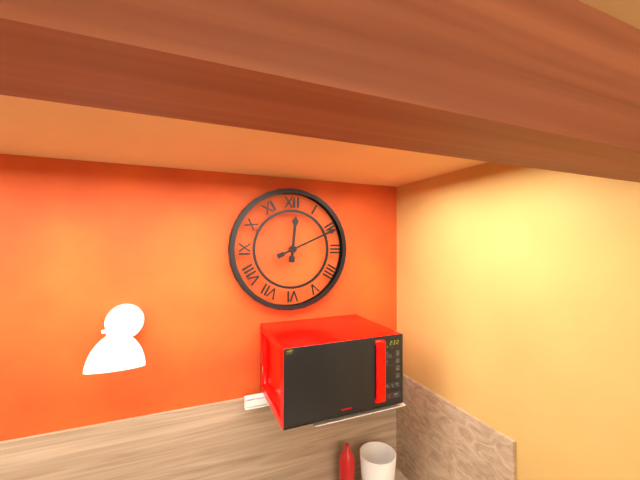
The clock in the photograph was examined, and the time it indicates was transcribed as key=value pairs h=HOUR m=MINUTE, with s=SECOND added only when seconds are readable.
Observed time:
h=12 m=11
